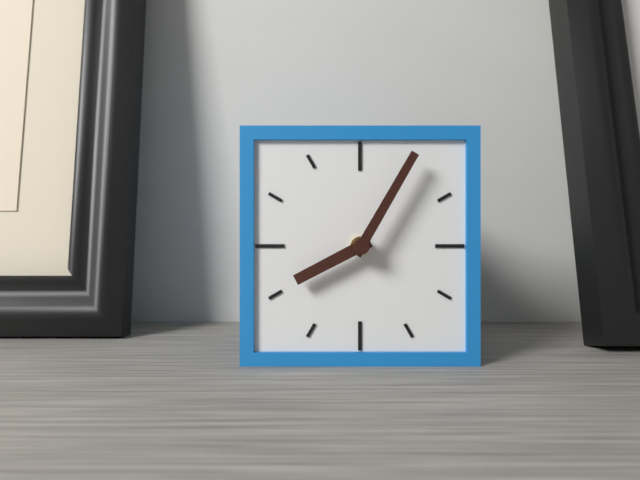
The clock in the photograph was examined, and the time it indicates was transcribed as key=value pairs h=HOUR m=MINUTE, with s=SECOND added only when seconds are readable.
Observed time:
h=8 m=5
